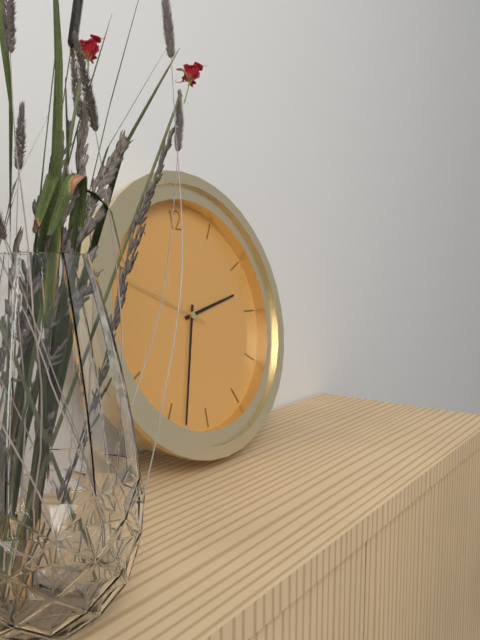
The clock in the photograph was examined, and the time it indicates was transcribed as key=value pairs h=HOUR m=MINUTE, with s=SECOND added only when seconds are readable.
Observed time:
h=2 m=33
